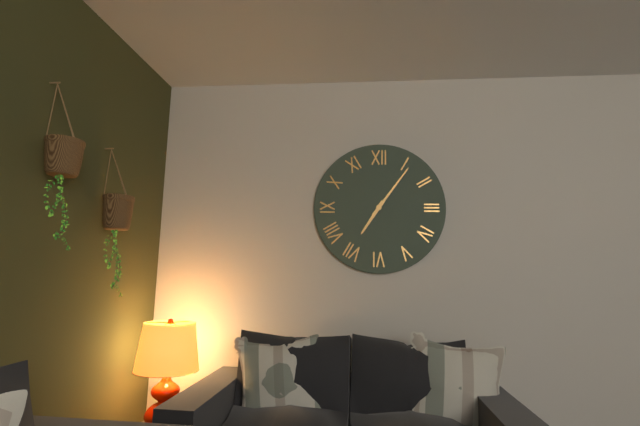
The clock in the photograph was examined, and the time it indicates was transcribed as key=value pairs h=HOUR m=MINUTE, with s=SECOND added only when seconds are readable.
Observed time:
h=7 m=6
